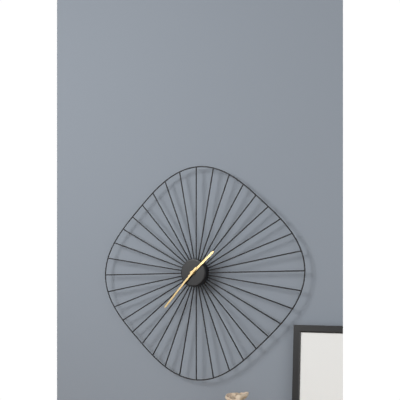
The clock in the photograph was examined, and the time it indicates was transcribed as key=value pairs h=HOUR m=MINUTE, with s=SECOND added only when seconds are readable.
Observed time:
h=1 m=37
